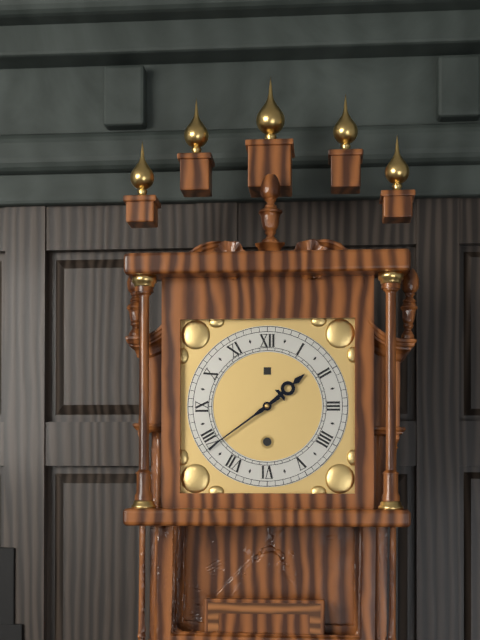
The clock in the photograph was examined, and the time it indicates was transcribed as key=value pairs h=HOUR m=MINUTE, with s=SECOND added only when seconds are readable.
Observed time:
h=1 m=39
